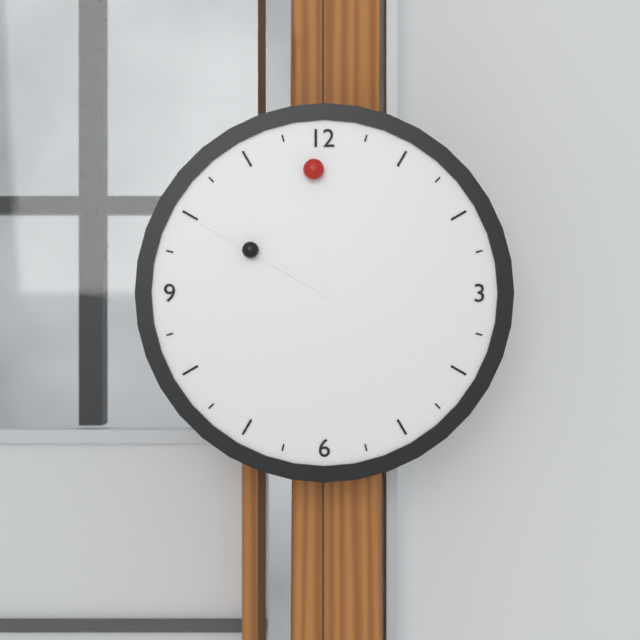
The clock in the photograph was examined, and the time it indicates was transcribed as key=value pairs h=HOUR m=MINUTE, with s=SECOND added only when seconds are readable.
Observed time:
h=11 m=50
